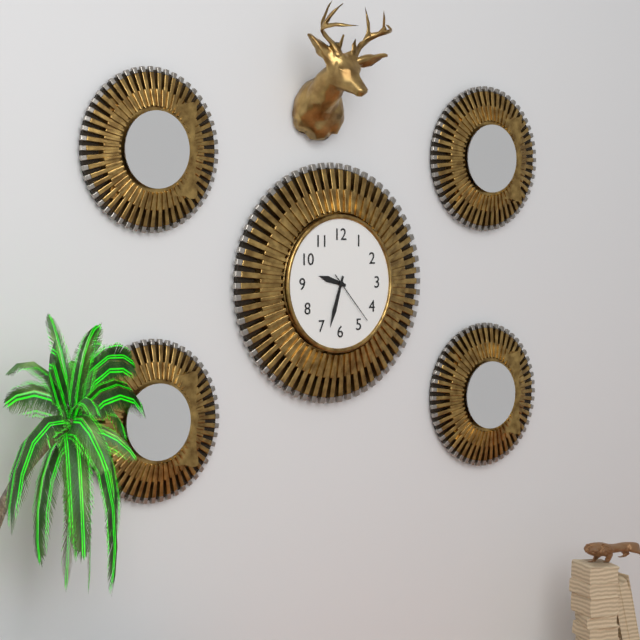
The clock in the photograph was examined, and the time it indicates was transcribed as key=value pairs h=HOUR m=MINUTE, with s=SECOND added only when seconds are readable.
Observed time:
h=9 m=33 s=23
